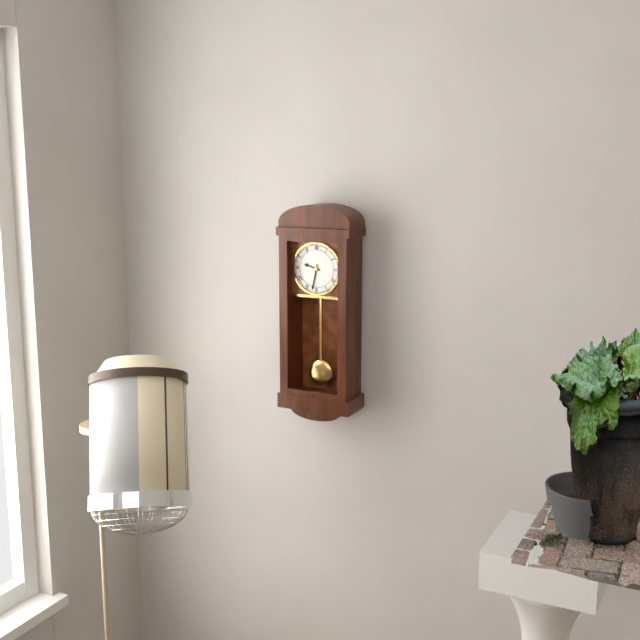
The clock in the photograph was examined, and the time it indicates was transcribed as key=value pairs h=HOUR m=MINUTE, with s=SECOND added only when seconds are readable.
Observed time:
h=9 m=32
